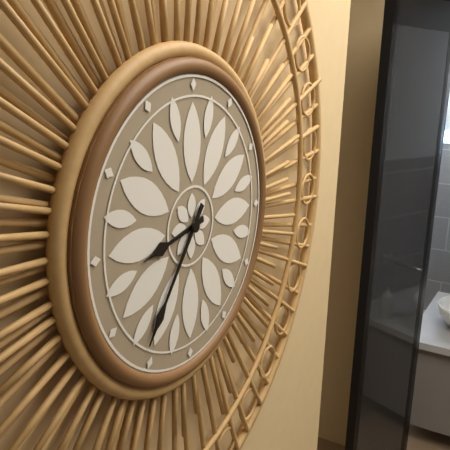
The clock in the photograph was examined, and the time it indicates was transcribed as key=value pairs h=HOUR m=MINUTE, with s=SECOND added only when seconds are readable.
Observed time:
h=8 m=36
